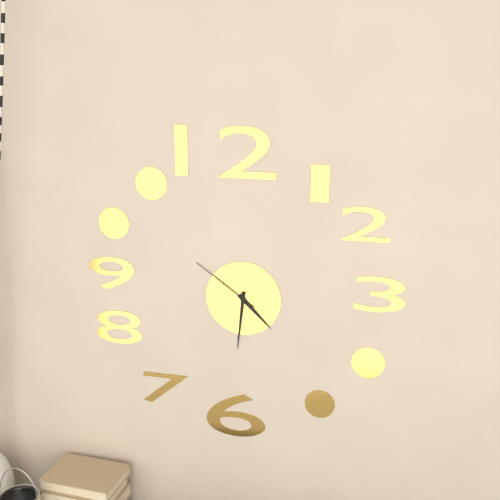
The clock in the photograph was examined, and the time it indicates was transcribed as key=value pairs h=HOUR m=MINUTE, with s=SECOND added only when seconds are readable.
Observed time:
h=4 m=31 s=51
